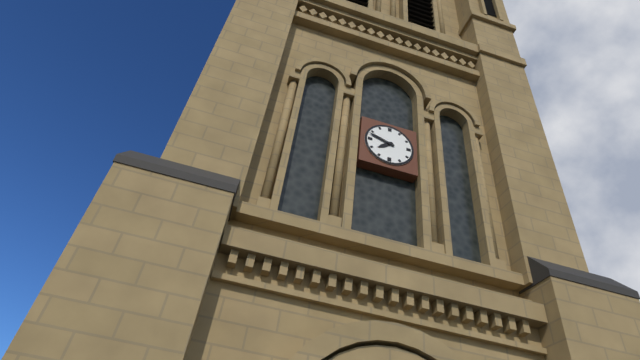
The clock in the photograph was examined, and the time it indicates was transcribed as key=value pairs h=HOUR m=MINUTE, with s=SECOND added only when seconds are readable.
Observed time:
h=7 m=48
